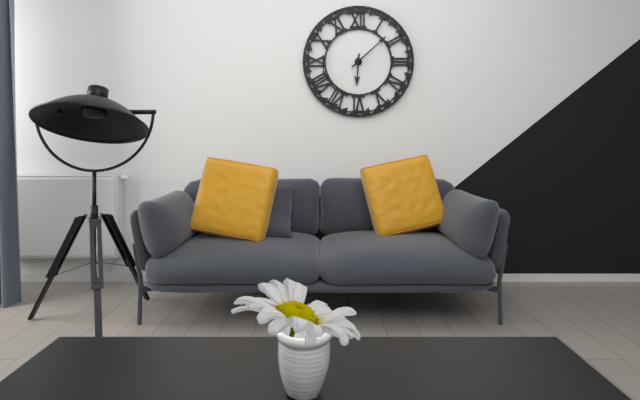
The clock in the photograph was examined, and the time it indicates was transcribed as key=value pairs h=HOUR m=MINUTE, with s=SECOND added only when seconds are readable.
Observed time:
h=6 m=8
